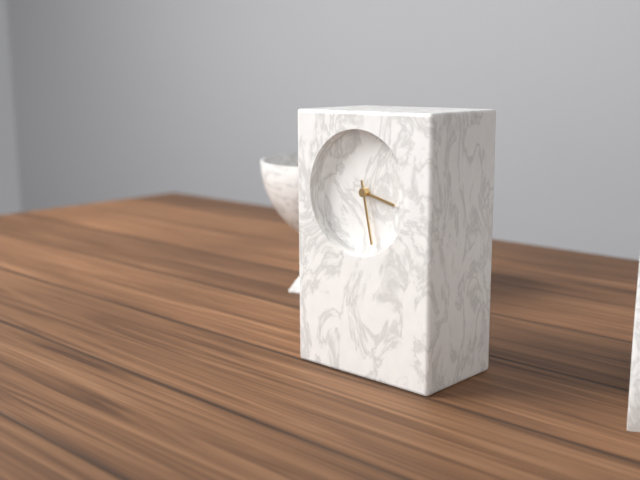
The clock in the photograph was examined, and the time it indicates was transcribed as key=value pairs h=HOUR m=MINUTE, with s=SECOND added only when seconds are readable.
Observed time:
h=3 m=28
